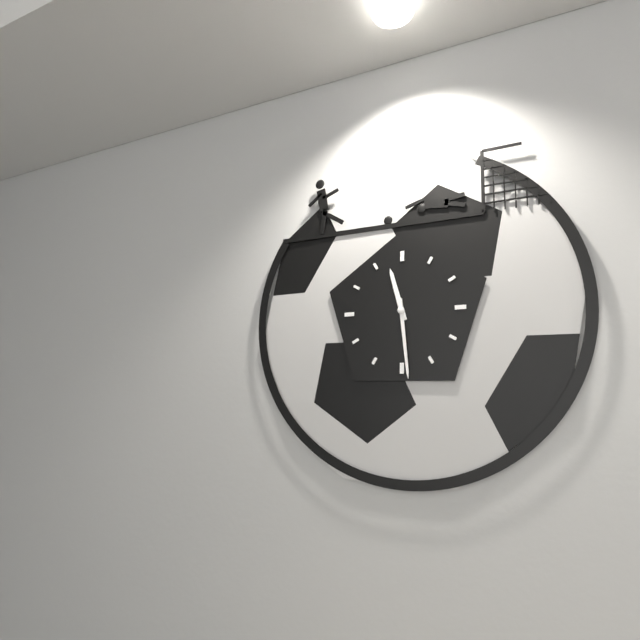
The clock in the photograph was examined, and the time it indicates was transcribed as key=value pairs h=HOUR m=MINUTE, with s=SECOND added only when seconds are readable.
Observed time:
h=11 m=29
